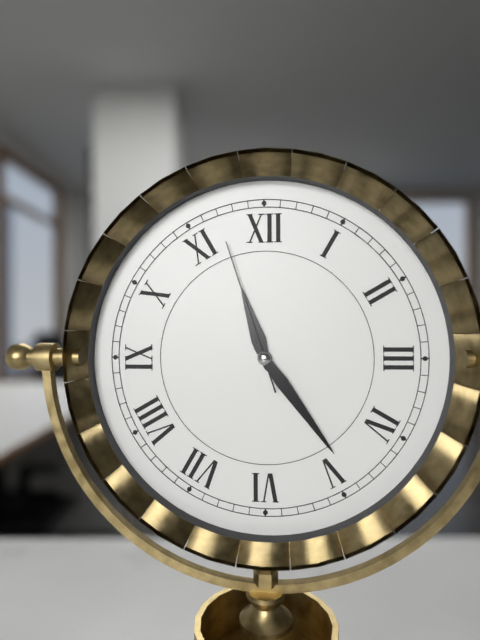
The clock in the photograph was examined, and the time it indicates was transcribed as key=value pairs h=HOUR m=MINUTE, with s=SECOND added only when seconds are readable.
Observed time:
h=11 m=24 s=57
